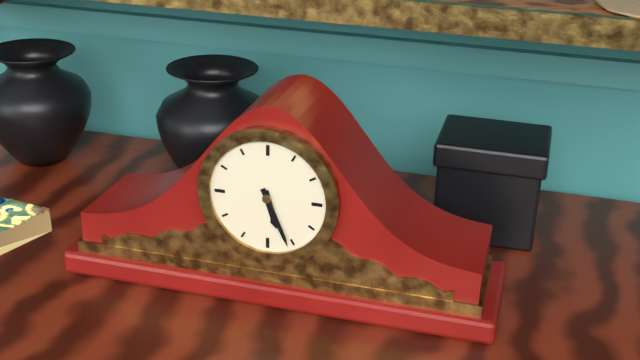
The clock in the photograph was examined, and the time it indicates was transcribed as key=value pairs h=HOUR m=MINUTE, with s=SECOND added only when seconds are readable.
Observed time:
h=5 m=26
